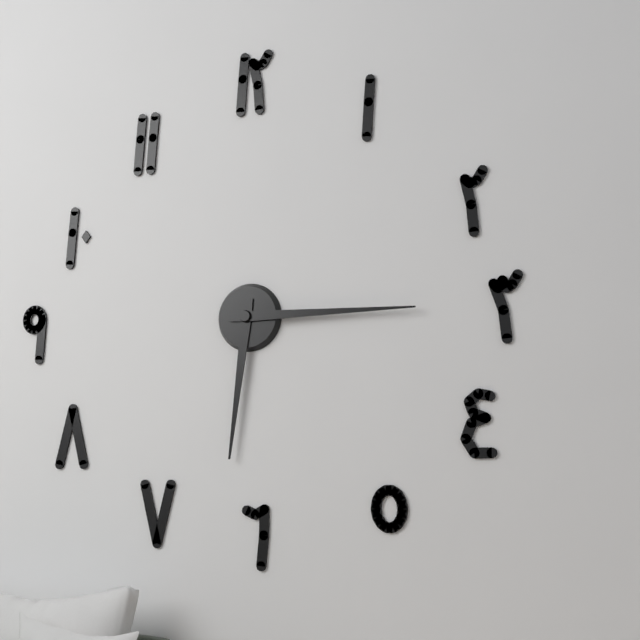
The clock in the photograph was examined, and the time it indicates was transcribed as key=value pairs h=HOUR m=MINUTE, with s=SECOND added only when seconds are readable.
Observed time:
h=6 m=15
